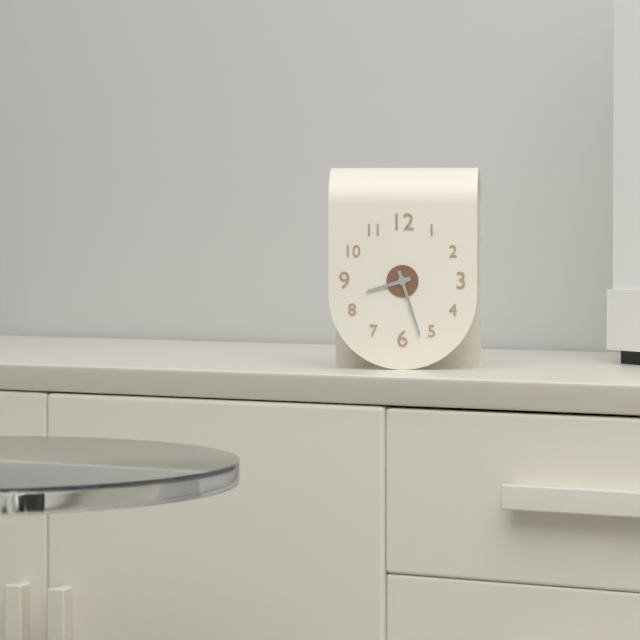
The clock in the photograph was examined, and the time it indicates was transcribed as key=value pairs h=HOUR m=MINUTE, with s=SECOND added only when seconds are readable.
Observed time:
h=8 m=27
